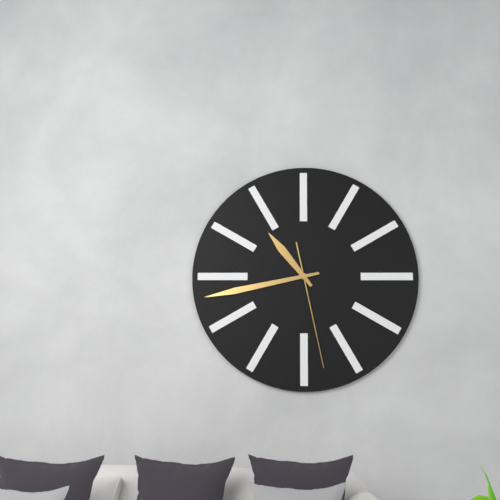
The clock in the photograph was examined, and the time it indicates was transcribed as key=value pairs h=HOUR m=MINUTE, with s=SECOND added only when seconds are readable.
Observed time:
h=10 m=43 s=28
